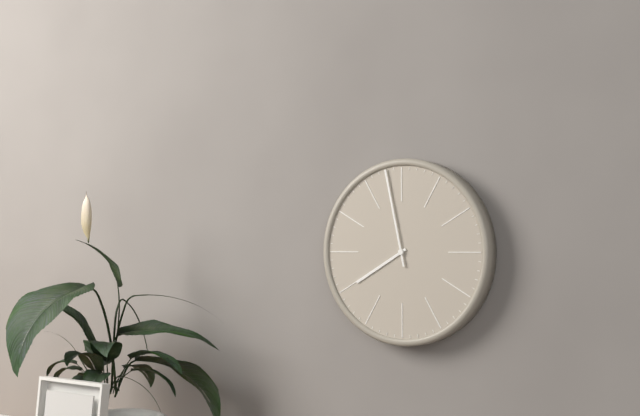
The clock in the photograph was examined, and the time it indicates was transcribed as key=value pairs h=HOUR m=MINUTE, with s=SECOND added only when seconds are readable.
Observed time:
h=7 m=58
